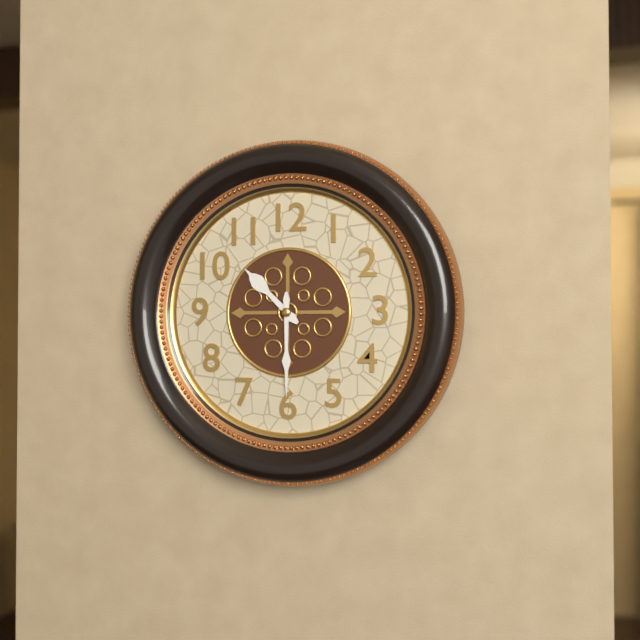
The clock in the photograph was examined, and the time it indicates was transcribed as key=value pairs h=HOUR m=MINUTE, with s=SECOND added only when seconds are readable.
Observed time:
h=10 m=30
